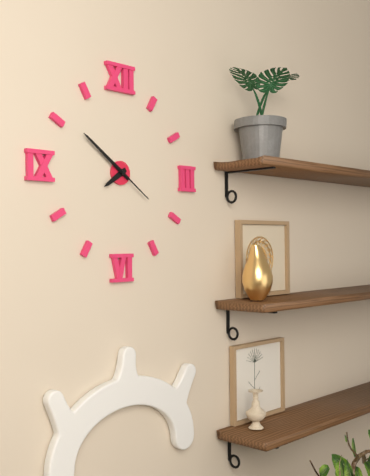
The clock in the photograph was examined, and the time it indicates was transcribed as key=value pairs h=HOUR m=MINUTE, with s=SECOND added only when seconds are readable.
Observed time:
h=7 m=51 s=21
